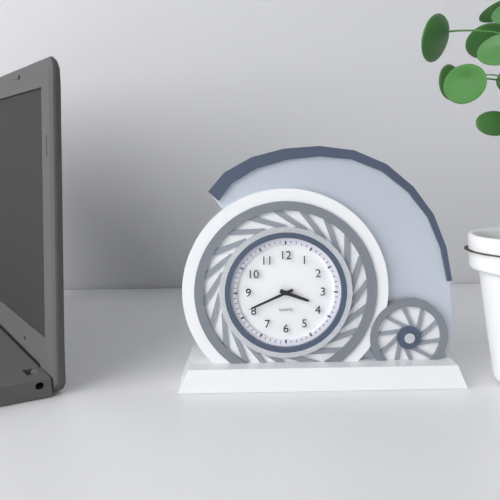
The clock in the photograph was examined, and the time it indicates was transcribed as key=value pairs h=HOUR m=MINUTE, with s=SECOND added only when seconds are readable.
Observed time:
h=3 m=41
